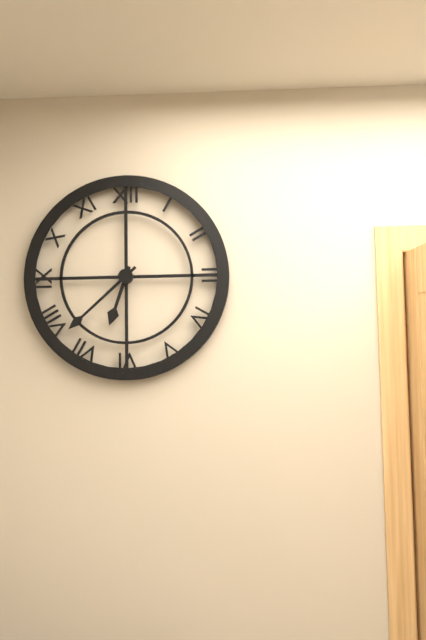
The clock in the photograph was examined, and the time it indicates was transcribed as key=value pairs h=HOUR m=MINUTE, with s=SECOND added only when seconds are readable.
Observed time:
h=6 m=38
